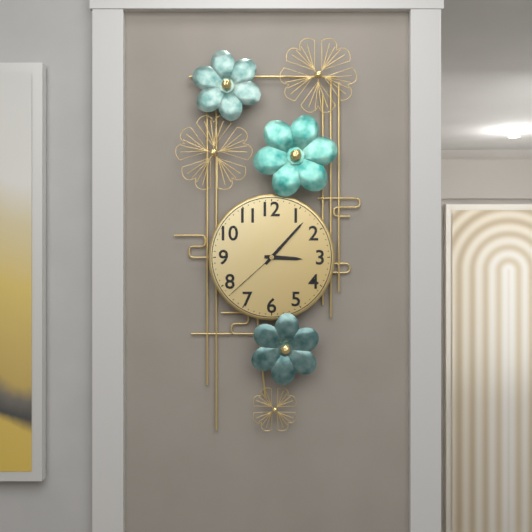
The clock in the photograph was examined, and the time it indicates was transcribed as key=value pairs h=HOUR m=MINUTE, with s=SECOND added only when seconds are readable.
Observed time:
h=3 m=7 s=38
